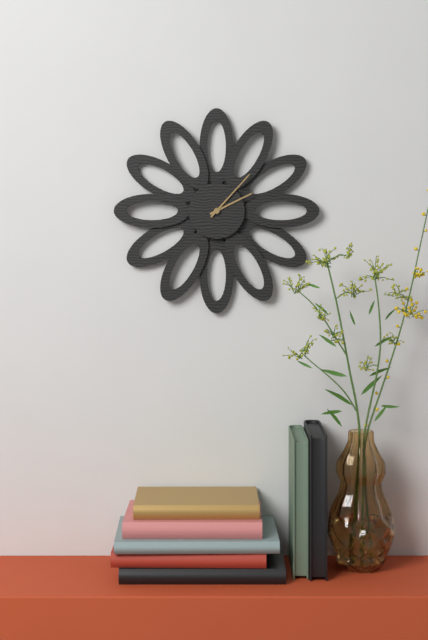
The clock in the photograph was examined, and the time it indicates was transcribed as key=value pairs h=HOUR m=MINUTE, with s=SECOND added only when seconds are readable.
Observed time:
h=2 m=7
